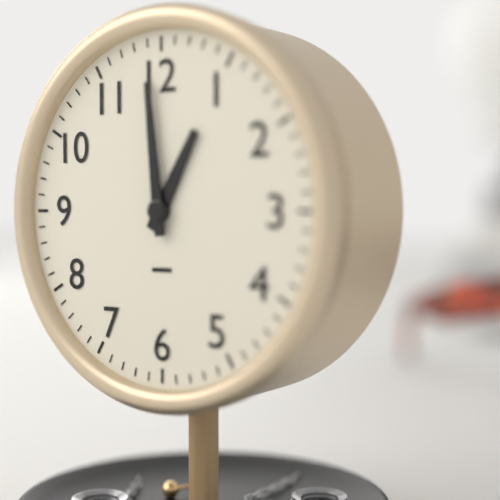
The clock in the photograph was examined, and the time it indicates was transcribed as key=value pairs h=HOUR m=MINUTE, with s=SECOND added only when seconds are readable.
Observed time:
h=12 m=59
